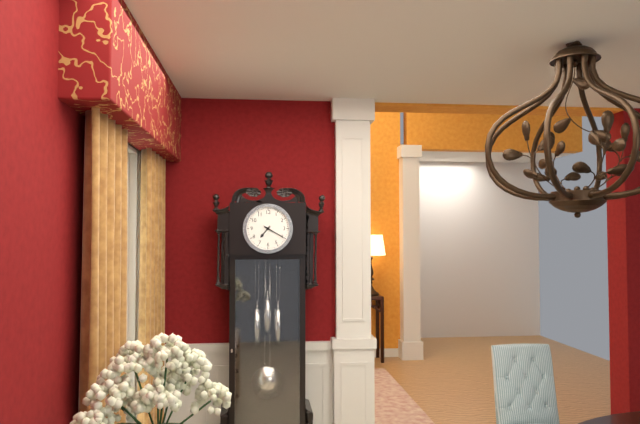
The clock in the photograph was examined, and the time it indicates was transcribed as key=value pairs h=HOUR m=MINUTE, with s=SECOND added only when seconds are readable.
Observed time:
h=7 m=20
